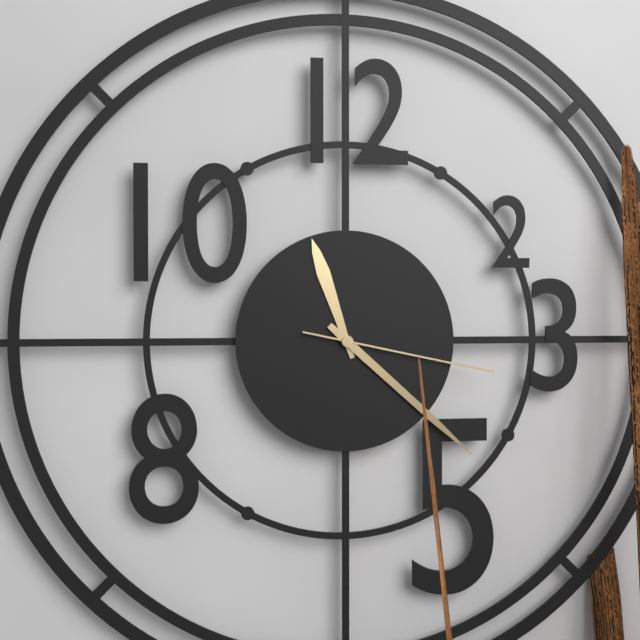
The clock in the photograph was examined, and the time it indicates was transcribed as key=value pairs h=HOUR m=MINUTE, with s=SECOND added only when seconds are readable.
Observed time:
h=11 m=22 s=17
